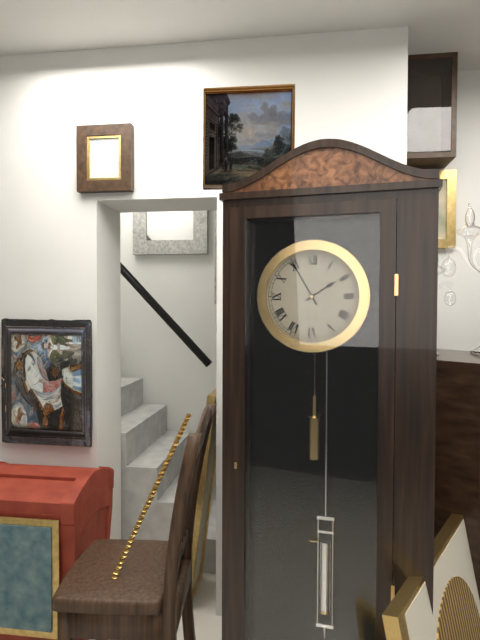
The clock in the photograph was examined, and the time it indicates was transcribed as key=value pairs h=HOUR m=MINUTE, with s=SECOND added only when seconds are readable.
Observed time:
h=1 m=55
